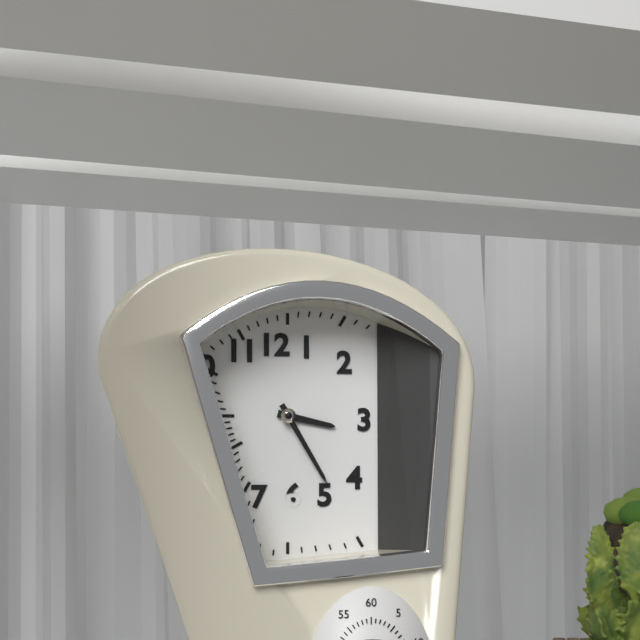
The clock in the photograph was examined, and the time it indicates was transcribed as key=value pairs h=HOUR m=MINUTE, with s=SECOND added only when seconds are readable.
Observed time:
h=3 m=25
